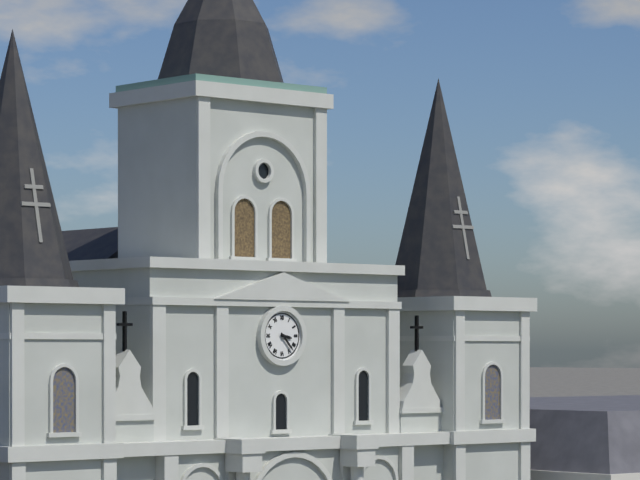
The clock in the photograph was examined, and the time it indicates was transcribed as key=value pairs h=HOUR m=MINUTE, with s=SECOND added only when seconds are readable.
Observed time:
h=3 m=23
